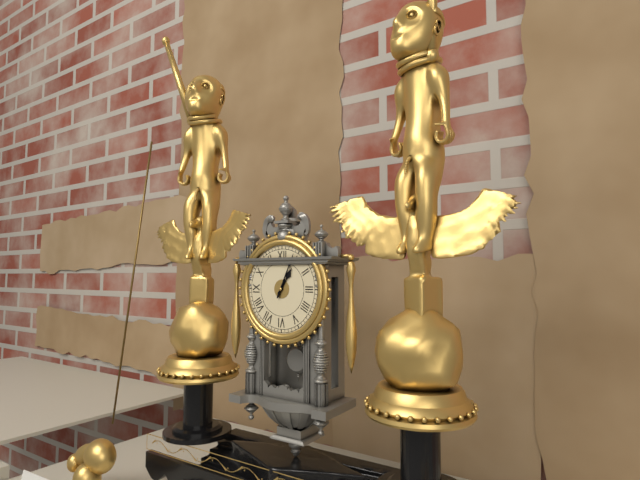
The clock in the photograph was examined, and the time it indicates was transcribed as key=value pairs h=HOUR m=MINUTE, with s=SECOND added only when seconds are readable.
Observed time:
h=1 m=4
